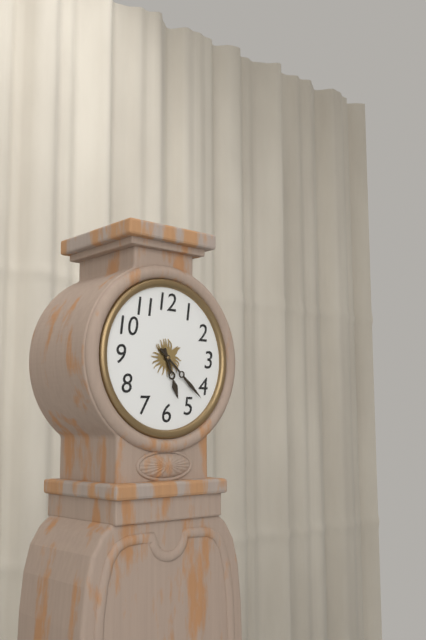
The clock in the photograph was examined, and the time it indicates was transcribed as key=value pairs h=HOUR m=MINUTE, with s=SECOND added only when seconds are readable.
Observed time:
h=5 m=22
